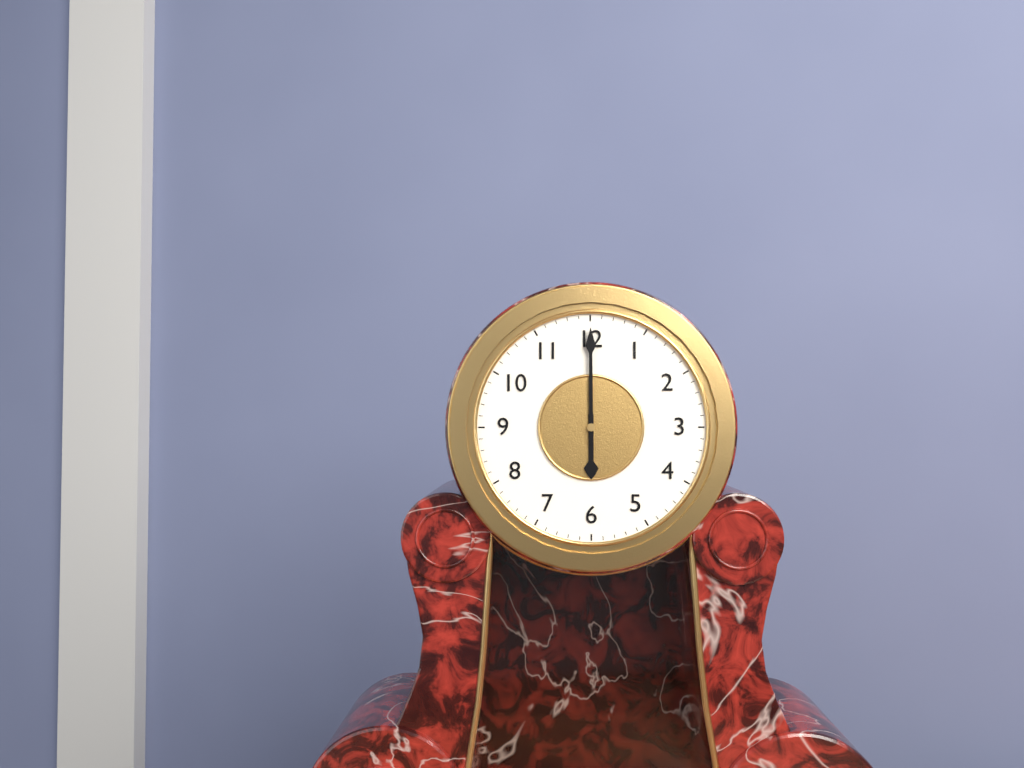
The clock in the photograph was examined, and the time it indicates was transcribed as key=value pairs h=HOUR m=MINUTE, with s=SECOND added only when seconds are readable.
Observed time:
h=6 m=0
